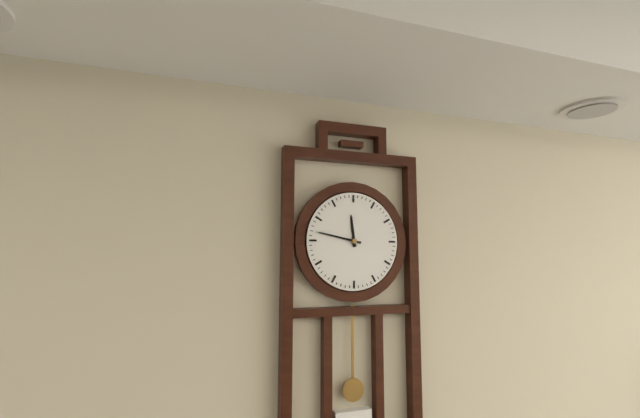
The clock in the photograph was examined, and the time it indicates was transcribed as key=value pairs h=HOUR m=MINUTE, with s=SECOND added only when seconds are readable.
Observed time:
h=11 m=47
